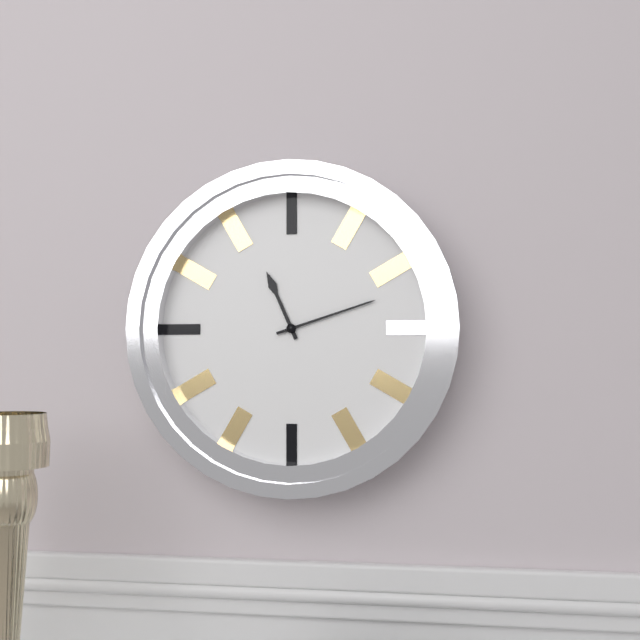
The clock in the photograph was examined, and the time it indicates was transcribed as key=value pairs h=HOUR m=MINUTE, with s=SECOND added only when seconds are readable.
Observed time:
h=11 m=12
